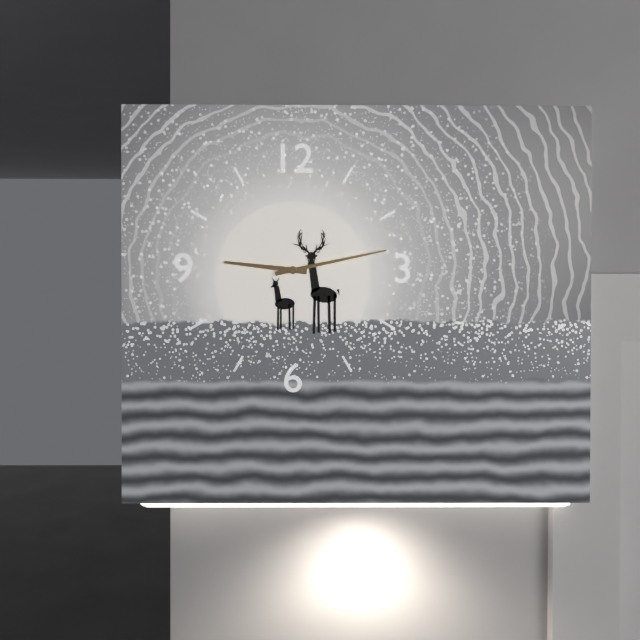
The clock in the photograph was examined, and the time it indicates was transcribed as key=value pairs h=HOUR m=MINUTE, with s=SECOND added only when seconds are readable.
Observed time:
h=9 m=13
